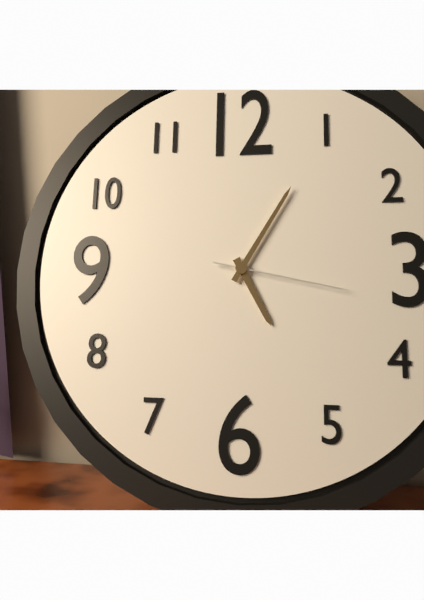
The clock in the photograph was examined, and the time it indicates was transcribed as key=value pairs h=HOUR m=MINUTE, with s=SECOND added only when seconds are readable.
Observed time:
h=5 m=5 s=17
